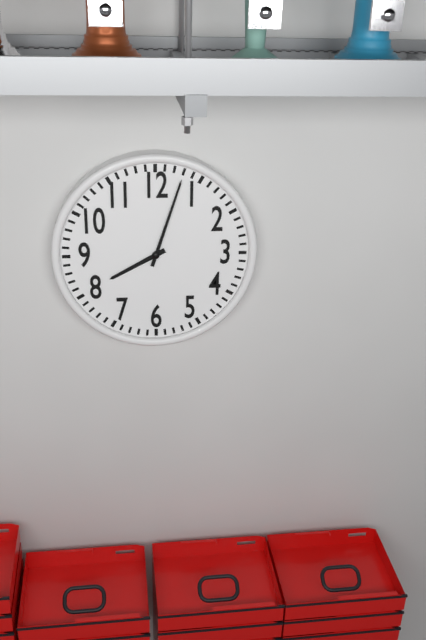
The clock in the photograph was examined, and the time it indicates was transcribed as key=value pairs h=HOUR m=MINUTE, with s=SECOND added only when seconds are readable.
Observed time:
h=8 m=3
